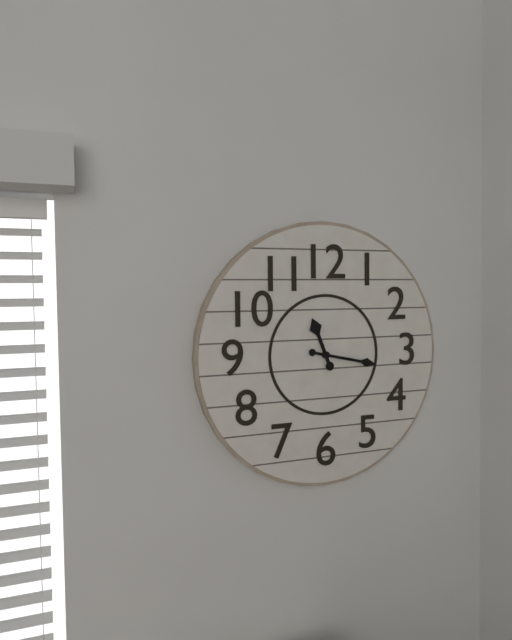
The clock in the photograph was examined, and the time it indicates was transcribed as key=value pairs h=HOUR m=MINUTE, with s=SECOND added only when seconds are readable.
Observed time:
h=11 m=17
